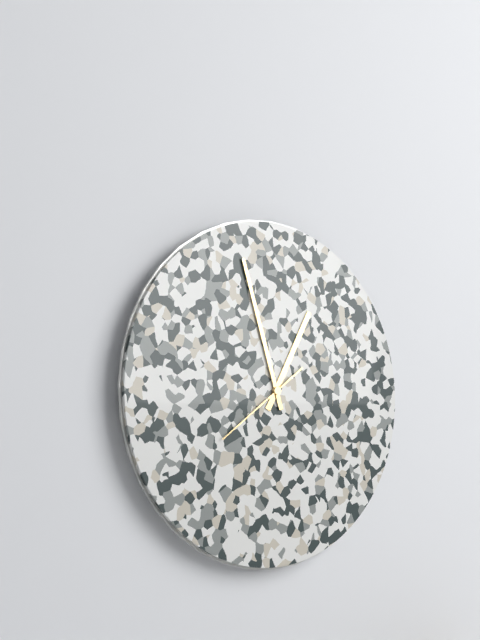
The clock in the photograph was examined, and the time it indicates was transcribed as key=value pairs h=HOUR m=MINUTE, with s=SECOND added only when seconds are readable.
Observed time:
h=12 m=57 s=39
